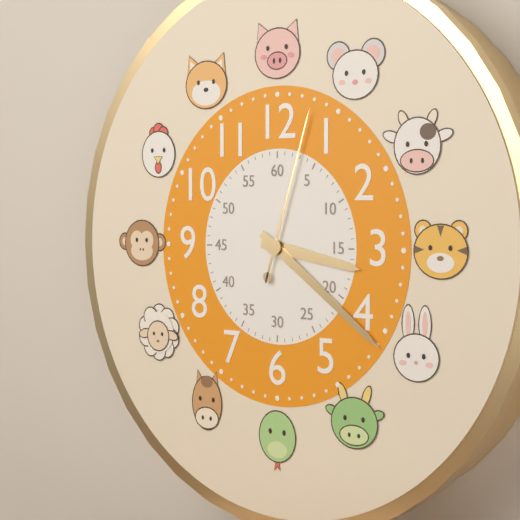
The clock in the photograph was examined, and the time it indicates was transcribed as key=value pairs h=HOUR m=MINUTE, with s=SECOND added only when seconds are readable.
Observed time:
h=3 m=21 s=3
